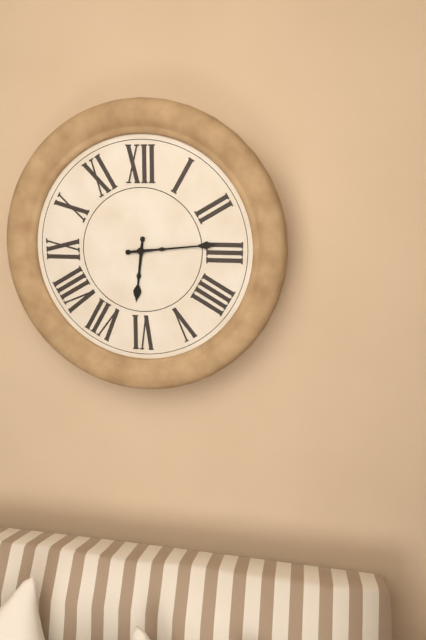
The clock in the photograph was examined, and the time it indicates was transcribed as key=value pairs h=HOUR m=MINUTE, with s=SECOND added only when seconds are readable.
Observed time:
h=6 m=14
